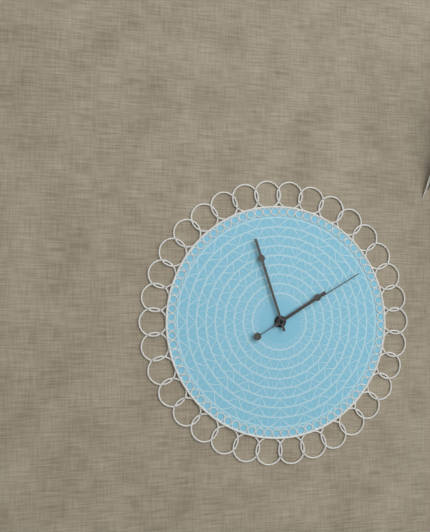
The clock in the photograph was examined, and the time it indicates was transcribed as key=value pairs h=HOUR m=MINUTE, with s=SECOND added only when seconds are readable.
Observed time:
h=1 m=57 s=10
